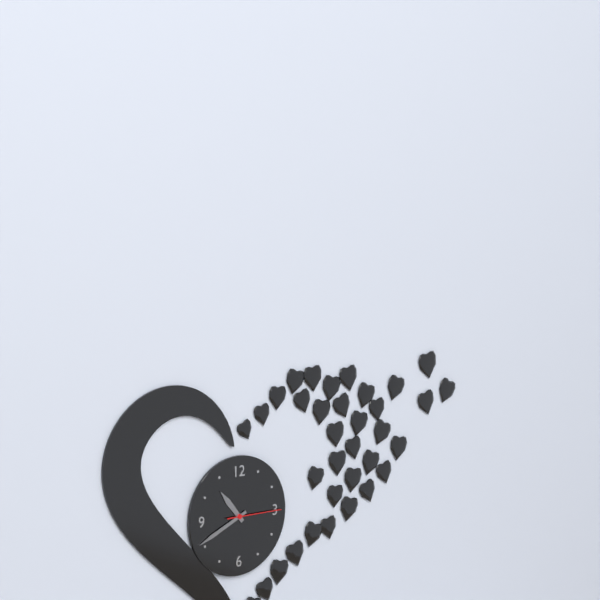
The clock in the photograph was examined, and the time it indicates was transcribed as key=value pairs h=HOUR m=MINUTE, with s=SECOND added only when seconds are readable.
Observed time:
h=10 m=41 s=15
